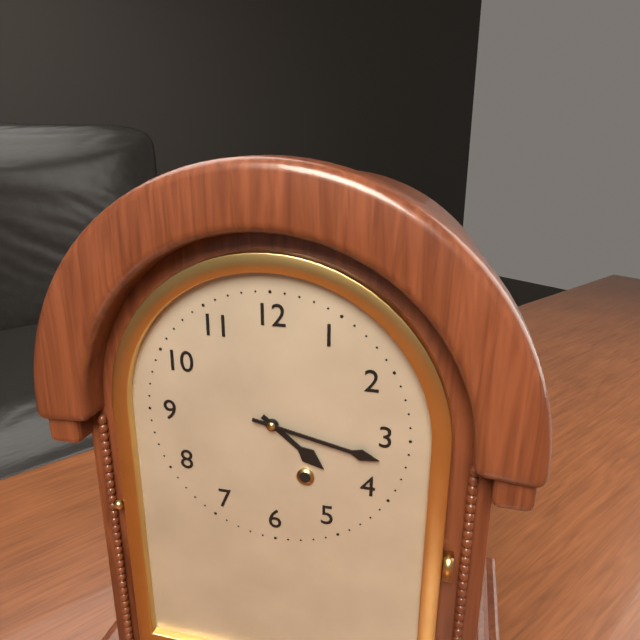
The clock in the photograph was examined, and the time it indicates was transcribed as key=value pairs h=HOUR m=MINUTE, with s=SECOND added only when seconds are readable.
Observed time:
h=4 m=17
